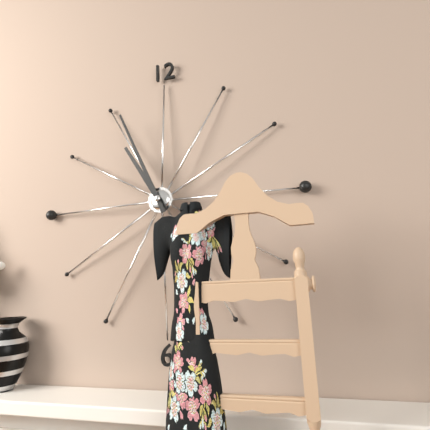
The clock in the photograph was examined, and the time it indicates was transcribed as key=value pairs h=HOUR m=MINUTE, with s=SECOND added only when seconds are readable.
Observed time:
h=10 m=56
